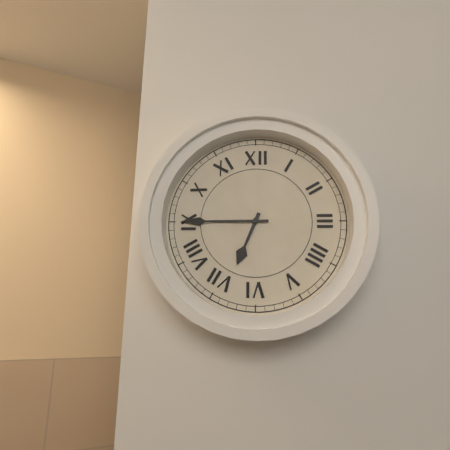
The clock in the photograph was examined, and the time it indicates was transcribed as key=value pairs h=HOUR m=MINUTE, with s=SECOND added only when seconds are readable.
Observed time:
h=6 m=45
